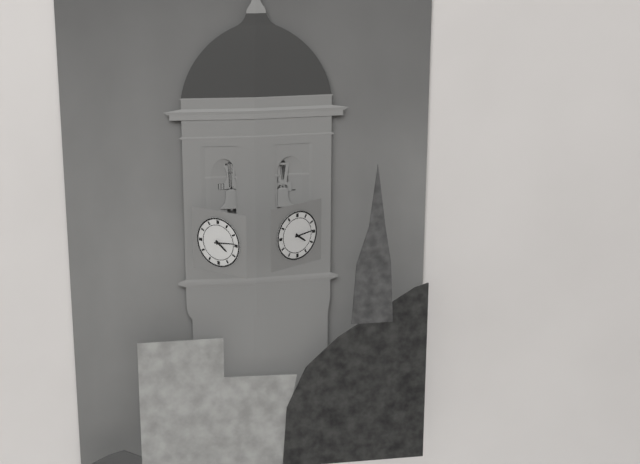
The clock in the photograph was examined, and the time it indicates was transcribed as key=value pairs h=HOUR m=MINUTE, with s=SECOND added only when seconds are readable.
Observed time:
h=4 m=14
